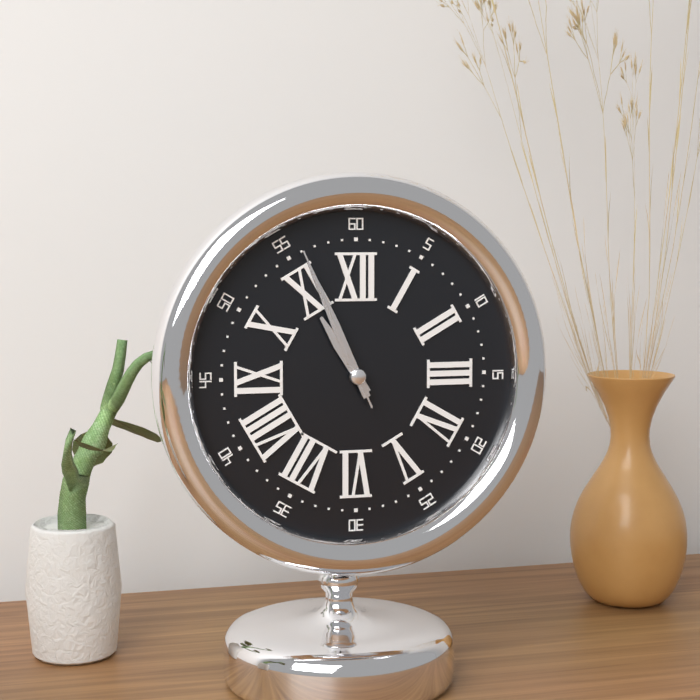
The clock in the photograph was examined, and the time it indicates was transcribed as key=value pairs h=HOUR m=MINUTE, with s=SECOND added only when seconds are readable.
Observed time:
h=10 m=56 s=56
